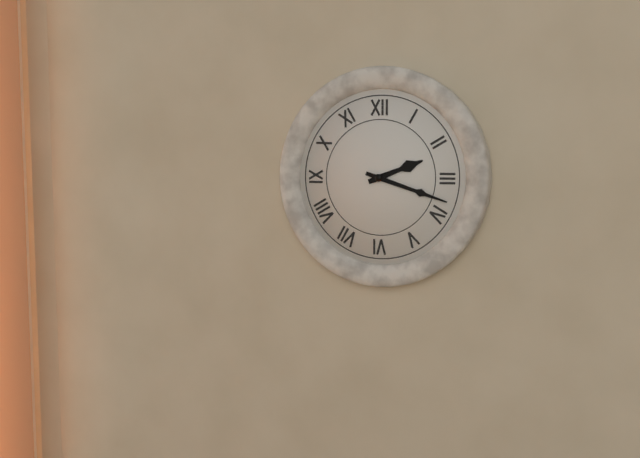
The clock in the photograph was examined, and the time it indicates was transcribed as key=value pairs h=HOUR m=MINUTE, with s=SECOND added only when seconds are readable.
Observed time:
h=2 m=18
